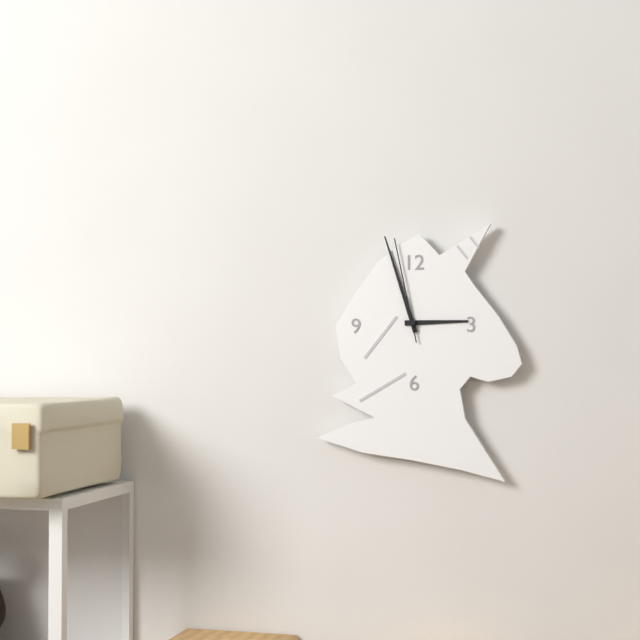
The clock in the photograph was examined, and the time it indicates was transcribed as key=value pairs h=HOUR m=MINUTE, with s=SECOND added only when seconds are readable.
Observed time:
h=2 m=57 s=58
